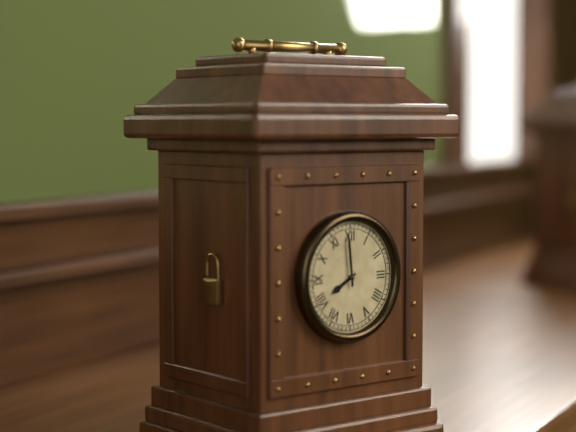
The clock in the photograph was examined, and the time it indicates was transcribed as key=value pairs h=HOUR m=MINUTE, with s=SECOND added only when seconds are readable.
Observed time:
h=7 m=59
